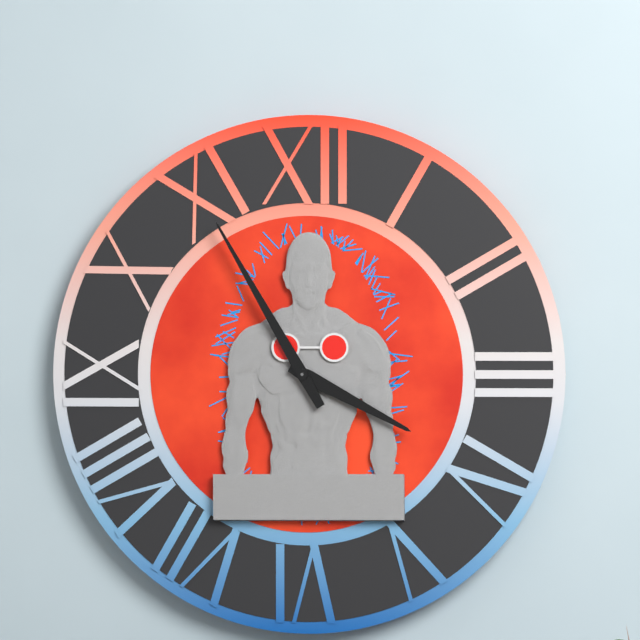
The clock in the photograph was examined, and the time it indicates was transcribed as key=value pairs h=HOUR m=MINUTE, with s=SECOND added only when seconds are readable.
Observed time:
h=3 m=55
